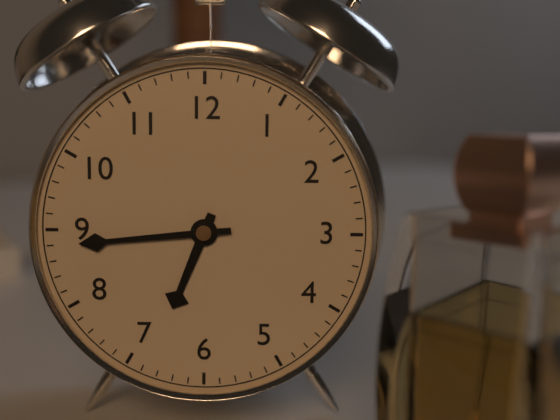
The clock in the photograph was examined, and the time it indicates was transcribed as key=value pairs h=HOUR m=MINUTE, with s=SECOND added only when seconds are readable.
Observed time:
h=6 m=44
